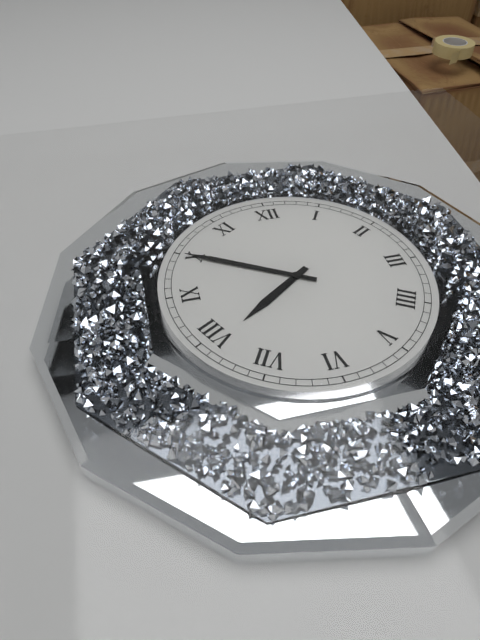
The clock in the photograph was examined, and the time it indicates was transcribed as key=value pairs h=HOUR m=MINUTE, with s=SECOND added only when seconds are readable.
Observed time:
h=7 m=50
